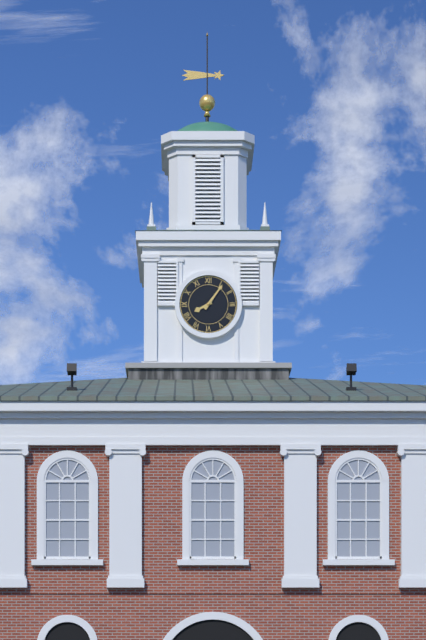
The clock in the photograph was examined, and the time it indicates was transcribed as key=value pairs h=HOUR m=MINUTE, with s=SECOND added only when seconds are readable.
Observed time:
h=8 m=6
